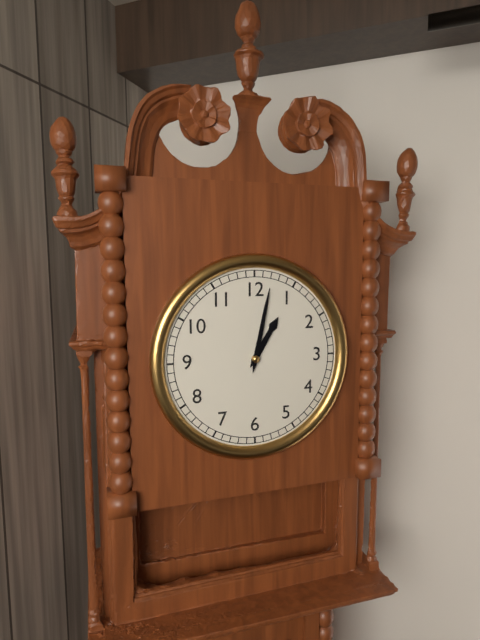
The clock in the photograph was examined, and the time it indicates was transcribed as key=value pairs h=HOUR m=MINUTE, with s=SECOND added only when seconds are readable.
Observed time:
h=1 m=2
